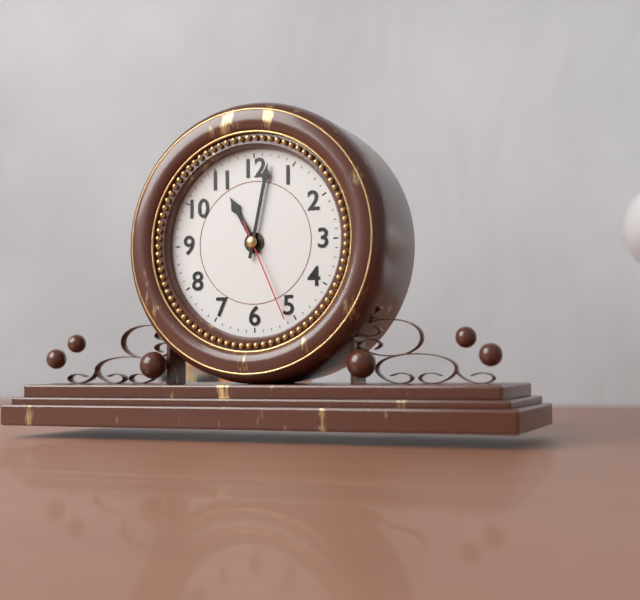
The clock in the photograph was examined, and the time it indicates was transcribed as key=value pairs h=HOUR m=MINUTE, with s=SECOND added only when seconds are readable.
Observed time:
h=11 m=2 s=26
